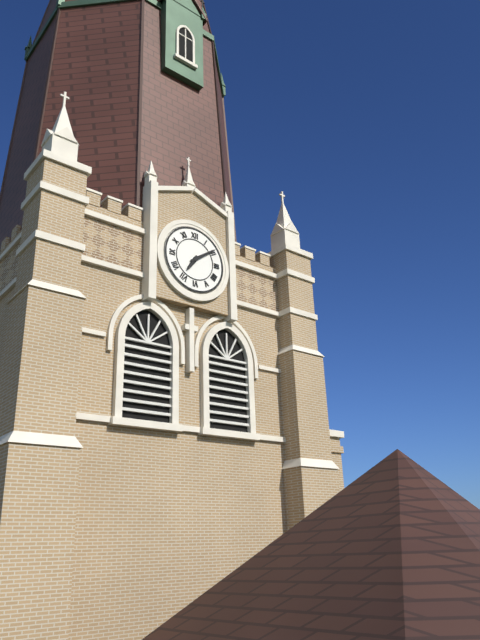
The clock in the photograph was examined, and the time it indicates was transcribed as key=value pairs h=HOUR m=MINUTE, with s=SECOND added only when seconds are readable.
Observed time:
h=7 m=9
